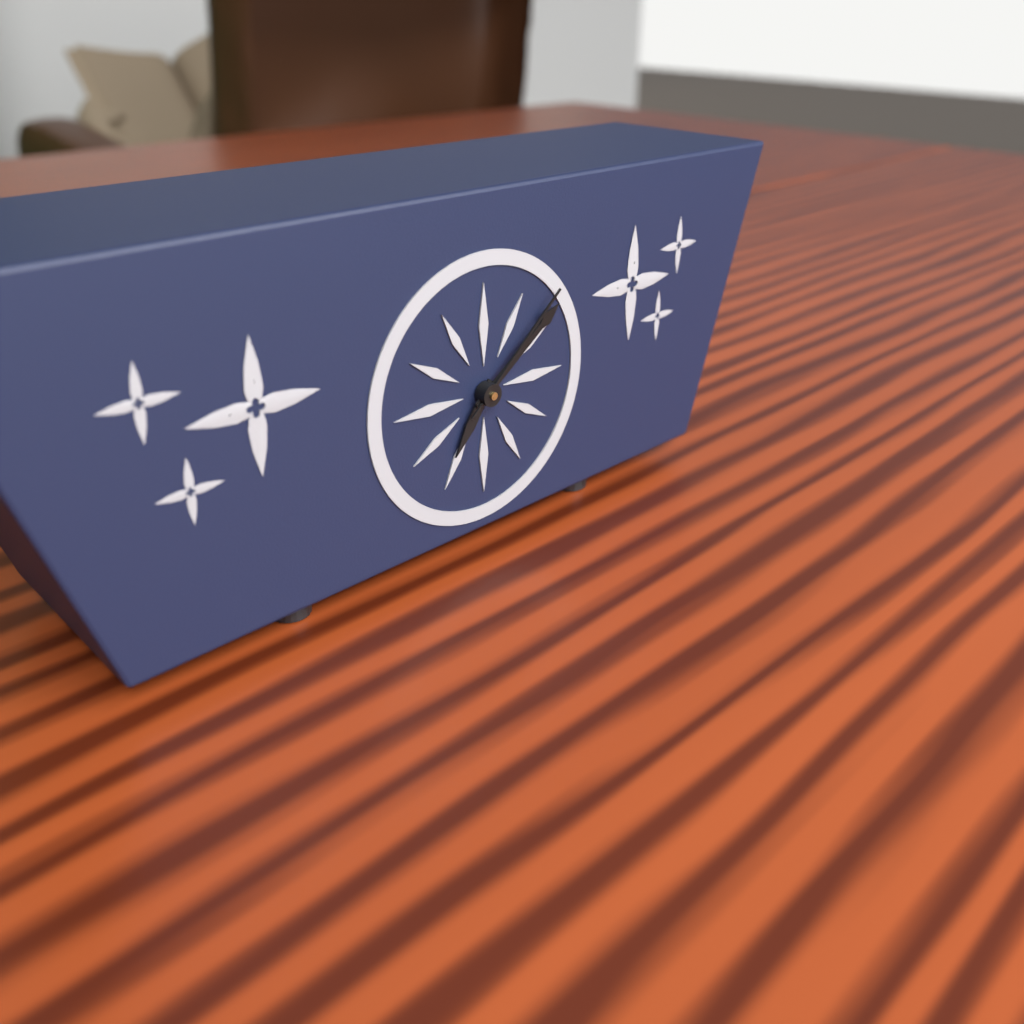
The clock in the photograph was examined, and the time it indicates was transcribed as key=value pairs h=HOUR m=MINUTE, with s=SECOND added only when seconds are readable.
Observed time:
h=7 m=9 s=8
